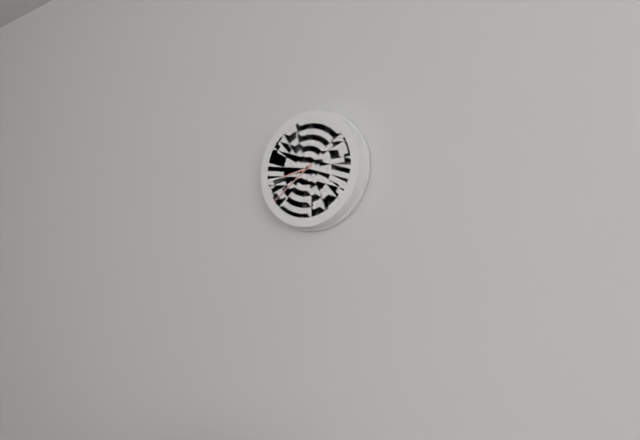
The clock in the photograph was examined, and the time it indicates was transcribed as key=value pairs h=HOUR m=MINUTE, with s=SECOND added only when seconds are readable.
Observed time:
h=8 m=39
